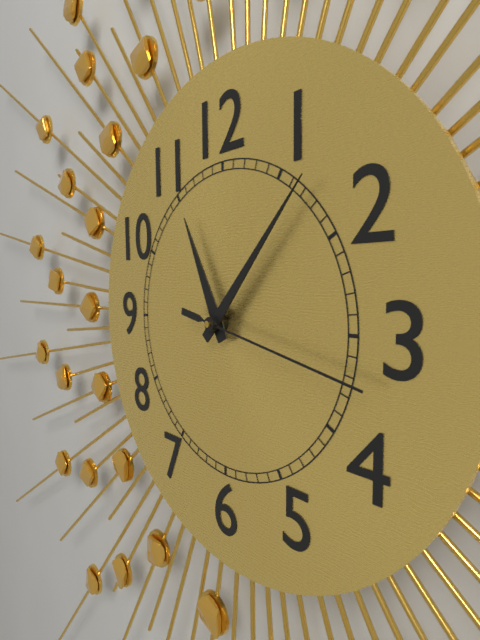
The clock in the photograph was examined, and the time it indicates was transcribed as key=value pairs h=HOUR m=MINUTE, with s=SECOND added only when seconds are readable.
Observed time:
h=11 m=7 s=17
